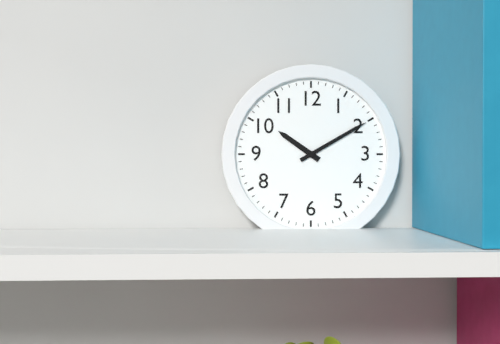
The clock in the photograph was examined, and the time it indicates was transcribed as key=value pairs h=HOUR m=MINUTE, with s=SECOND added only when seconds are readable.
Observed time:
h=10 m=10
